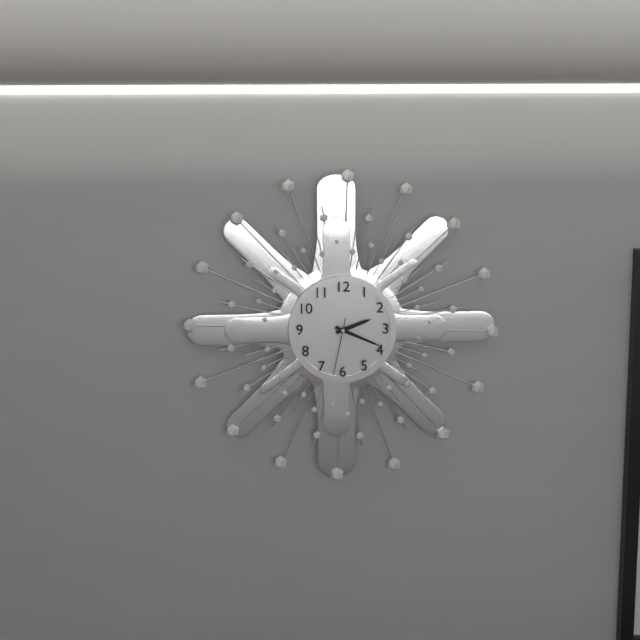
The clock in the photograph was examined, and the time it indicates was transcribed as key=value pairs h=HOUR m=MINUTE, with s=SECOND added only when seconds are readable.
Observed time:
h=2 m=19 s=32
